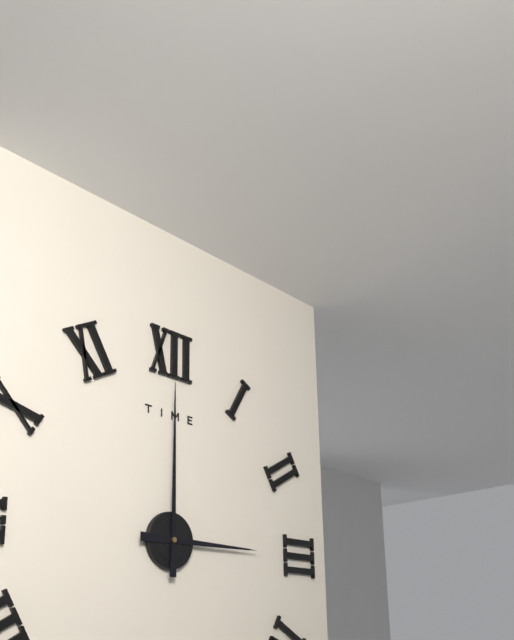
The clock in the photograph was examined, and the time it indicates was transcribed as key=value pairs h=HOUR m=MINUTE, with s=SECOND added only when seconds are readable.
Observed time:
h=3 m=0
